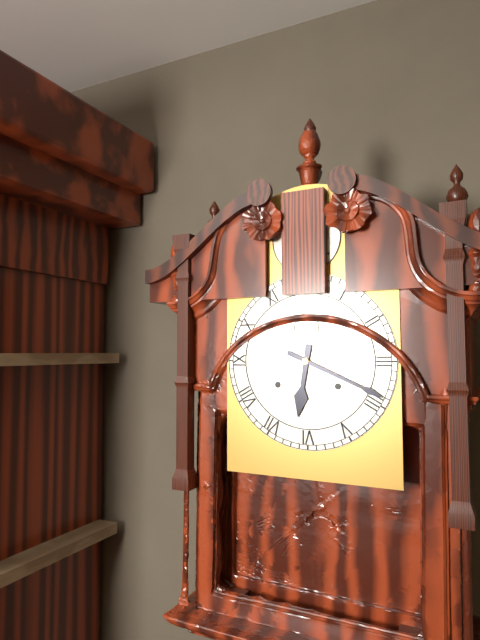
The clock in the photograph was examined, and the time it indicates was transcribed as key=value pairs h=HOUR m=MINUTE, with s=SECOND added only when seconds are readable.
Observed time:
h=6 m=19
